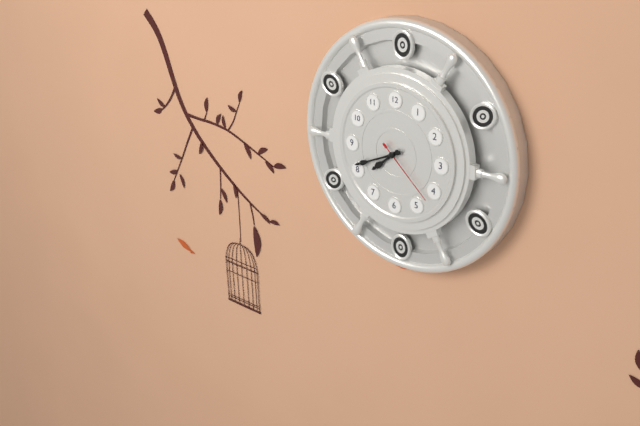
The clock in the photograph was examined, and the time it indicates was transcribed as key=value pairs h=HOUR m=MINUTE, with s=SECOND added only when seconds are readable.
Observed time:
h=7 m=41 s=22
